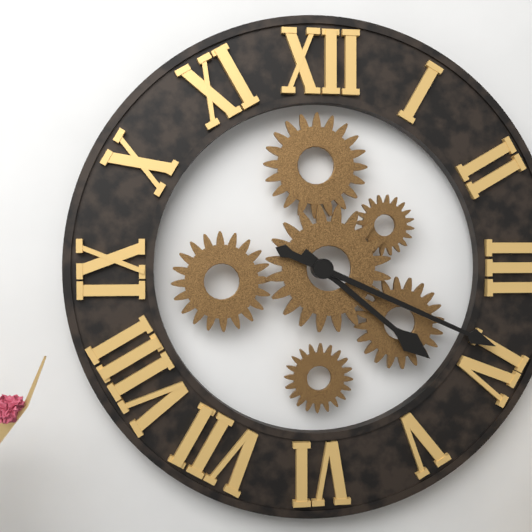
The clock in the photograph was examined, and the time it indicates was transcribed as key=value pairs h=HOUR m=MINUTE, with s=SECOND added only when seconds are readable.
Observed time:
h=4 m=19
